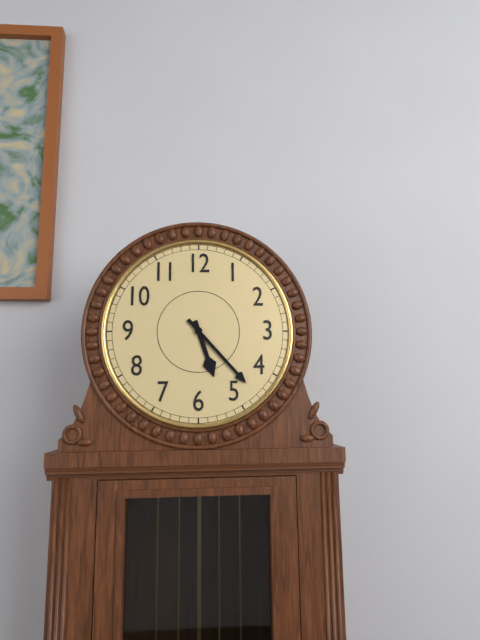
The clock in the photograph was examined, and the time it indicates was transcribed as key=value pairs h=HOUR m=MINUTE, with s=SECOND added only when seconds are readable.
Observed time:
h=5 m=23
